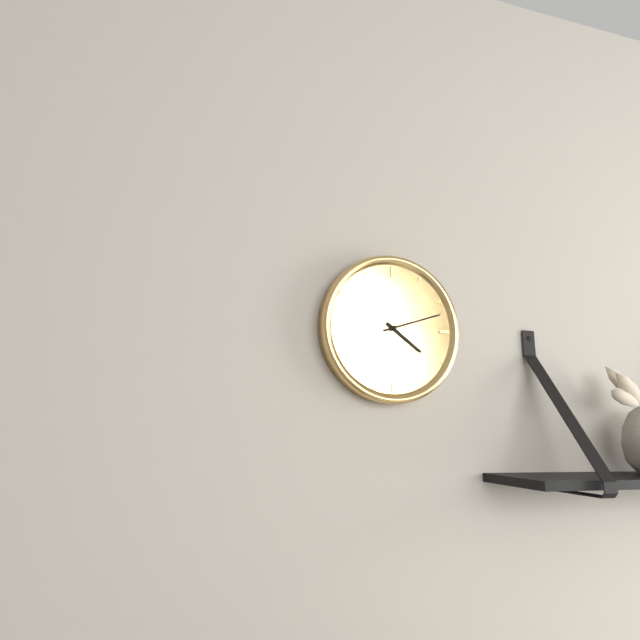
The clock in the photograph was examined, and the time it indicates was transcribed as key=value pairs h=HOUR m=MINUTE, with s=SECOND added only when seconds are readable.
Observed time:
h=4 m=12
